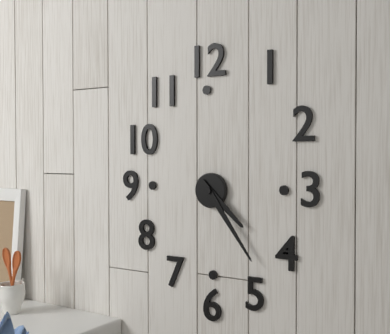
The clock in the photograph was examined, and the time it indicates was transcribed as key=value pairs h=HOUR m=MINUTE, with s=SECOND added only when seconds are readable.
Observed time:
h=4 m=24
